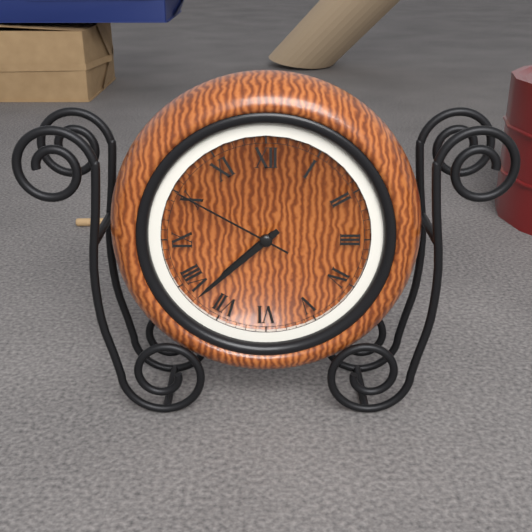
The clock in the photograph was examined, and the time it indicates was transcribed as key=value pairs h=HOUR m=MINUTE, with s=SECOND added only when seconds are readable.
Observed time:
h=7 m=38 s=50
